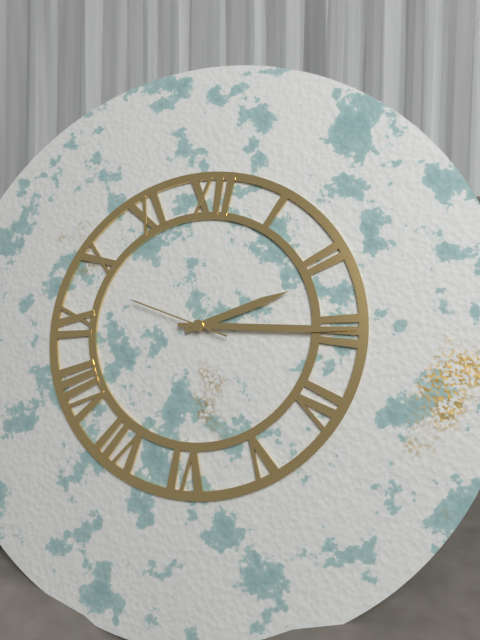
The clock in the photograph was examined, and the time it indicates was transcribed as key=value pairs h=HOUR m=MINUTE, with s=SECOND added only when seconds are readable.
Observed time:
h=2 m=15 s=48
